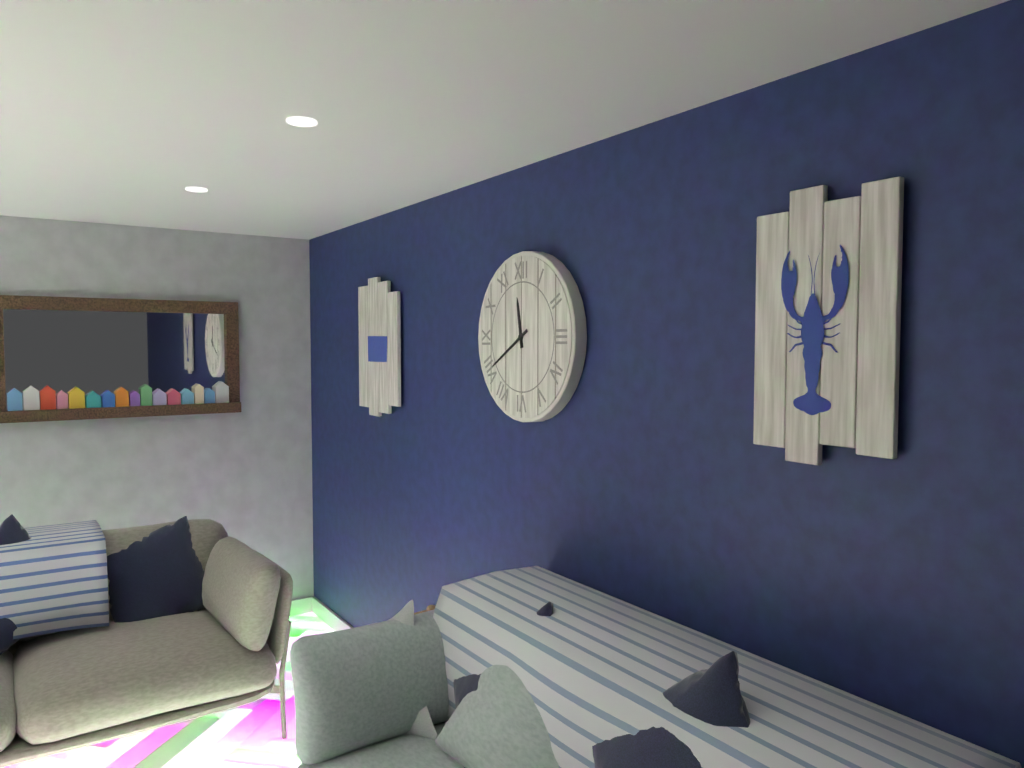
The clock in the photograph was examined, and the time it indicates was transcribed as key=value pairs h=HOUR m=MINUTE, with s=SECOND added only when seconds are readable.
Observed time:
h=11 m=40
